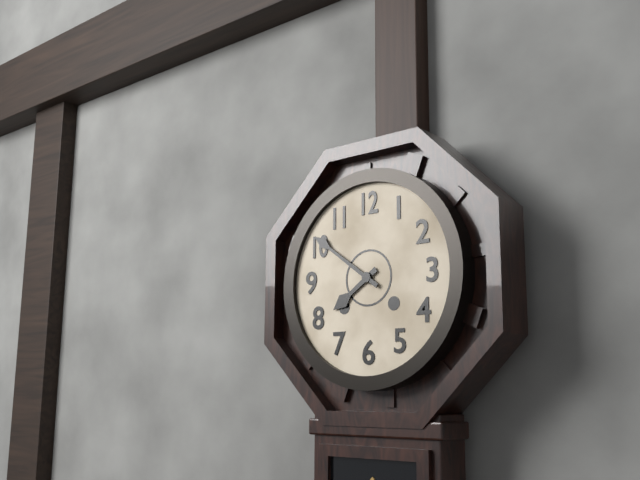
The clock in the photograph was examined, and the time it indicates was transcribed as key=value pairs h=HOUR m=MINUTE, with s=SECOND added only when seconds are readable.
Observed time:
h=7 m=51
